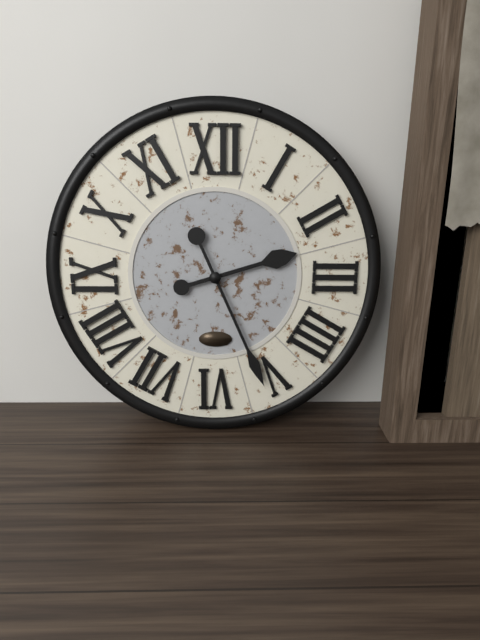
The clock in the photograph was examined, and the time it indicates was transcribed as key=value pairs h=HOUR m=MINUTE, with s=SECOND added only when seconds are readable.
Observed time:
h=2 m=26
